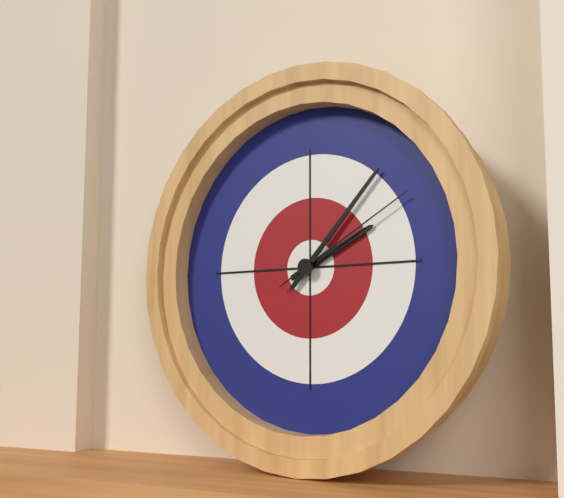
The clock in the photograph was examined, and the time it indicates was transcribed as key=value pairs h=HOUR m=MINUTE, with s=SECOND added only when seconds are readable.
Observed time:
h=2 m=7 s=10
